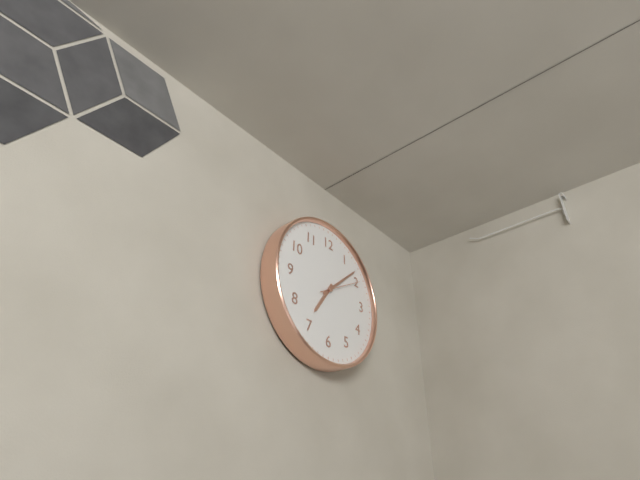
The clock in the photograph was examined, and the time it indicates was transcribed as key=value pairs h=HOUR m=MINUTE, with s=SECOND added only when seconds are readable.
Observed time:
h=7 m=8
